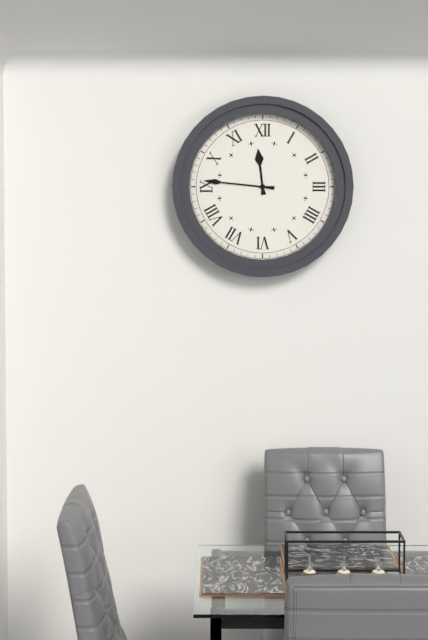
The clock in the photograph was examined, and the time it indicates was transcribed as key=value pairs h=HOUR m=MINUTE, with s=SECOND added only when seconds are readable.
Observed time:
h=11 m=46
